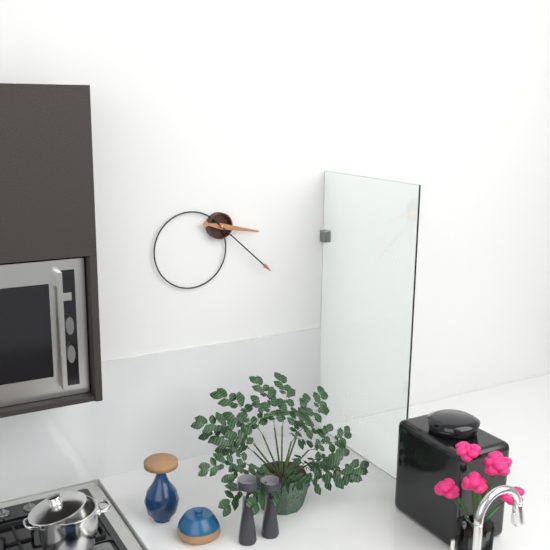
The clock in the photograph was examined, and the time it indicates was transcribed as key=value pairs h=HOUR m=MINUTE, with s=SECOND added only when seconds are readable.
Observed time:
h=3 m=22
